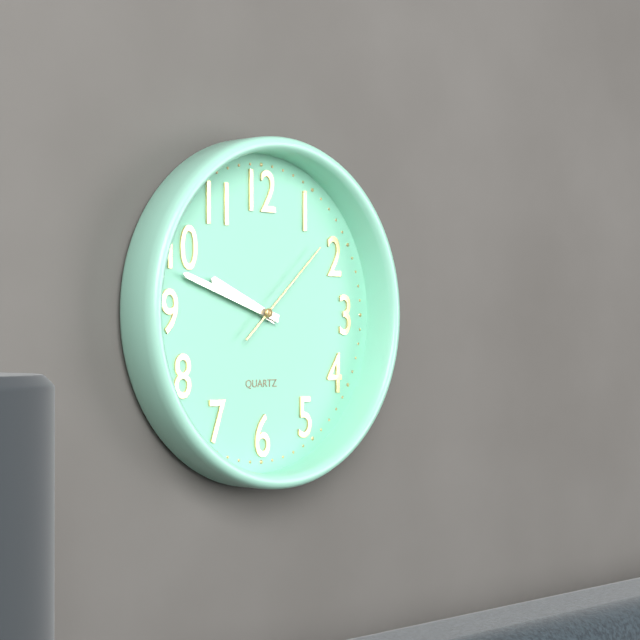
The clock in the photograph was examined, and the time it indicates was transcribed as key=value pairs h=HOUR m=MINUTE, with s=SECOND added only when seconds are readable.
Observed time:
h=9 m=48 s=8
